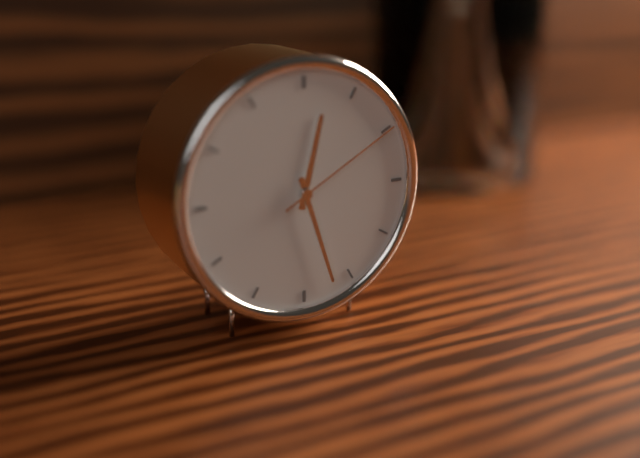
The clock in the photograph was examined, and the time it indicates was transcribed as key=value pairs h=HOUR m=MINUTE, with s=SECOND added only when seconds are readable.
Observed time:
h=12 m=27 s=10
